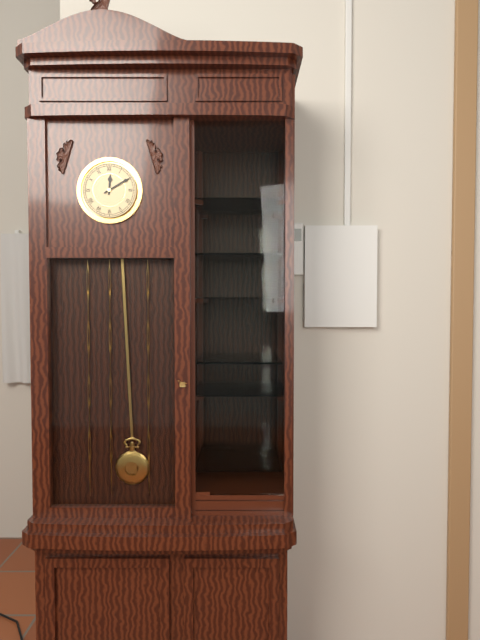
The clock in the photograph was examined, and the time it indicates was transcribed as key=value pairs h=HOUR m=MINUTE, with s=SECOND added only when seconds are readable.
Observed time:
h=12 m=10
